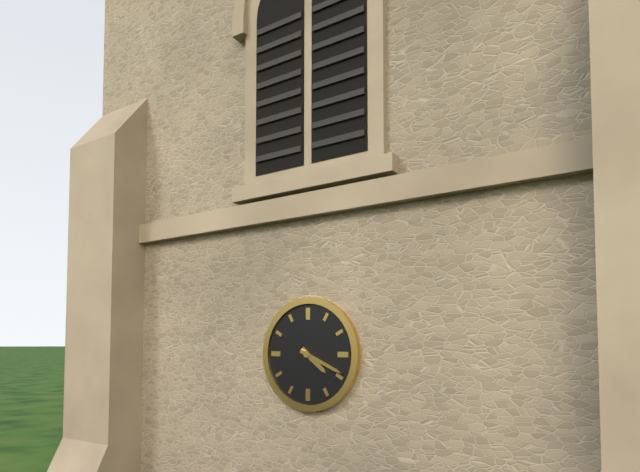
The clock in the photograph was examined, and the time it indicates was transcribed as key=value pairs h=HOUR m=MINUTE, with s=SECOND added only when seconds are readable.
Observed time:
h=4 m=19
